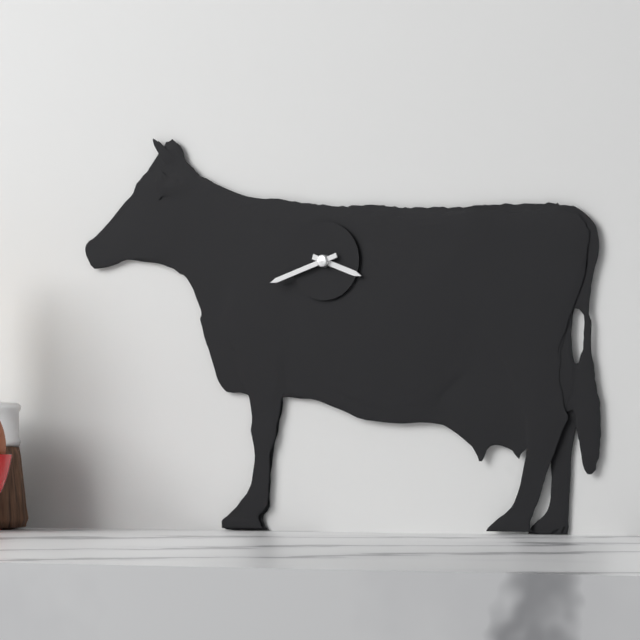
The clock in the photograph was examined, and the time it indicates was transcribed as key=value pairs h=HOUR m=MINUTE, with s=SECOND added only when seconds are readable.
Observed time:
h=3 m=42
